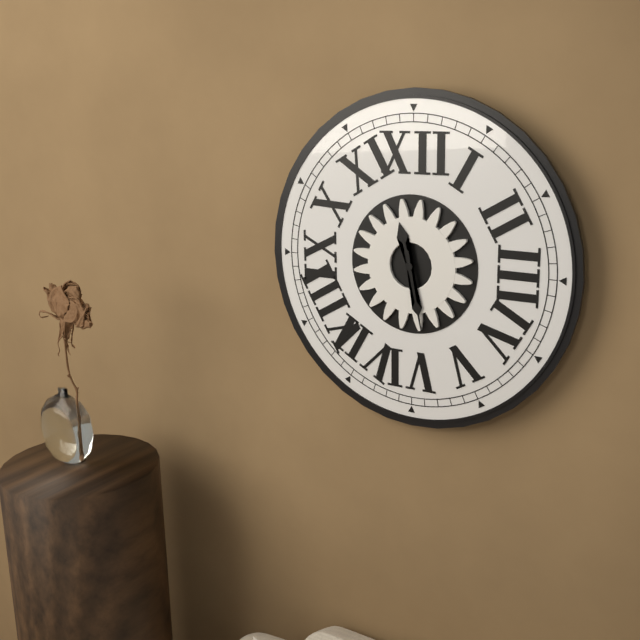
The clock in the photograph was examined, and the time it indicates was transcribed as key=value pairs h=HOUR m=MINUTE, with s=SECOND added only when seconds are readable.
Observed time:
h=11 m=28
